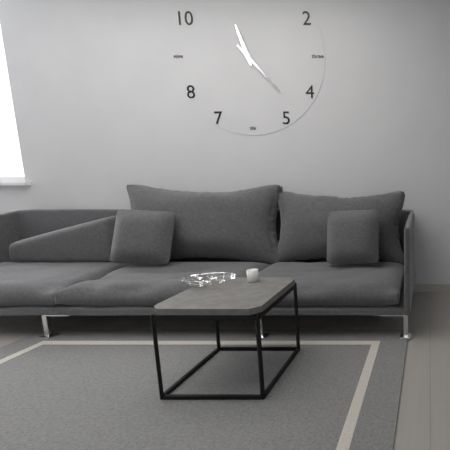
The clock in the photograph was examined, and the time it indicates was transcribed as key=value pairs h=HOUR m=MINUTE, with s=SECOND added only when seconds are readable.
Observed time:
h=11 m=23
